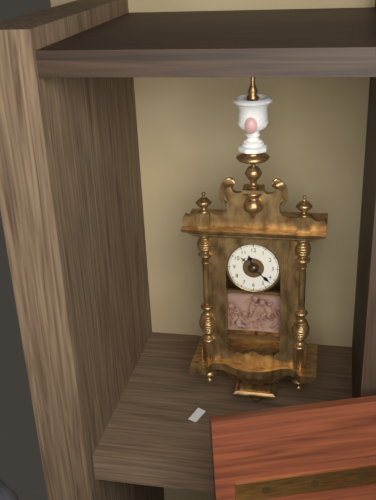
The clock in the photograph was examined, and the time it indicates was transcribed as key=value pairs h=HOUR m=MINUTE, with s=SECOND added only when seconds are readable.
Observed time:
h=11 m=22
